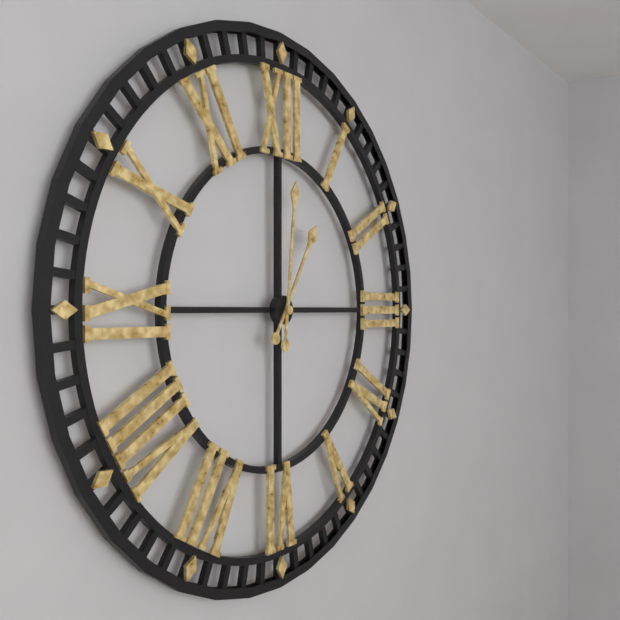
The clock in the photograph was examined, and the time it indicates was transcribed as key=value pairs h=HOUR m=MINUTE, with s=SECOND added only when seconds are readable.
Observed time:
h=1 m=1
